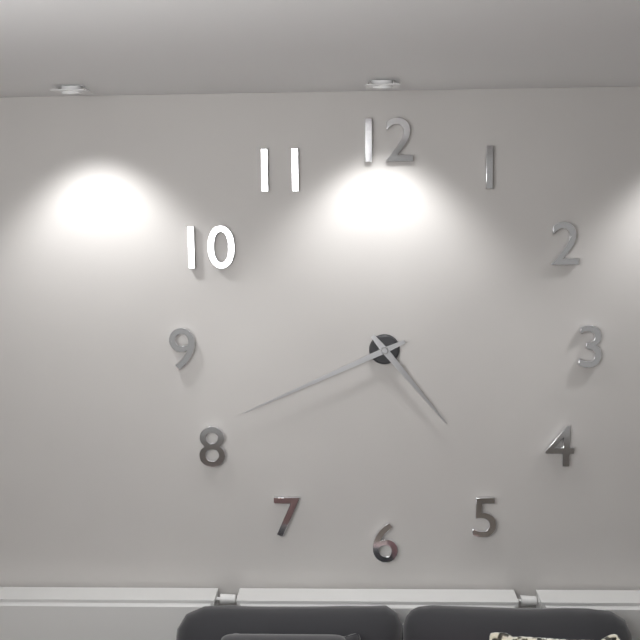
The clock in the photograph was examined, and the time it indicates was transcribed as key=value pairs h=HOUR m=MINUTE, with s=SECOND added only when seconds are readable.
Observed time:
h=4 m=41
